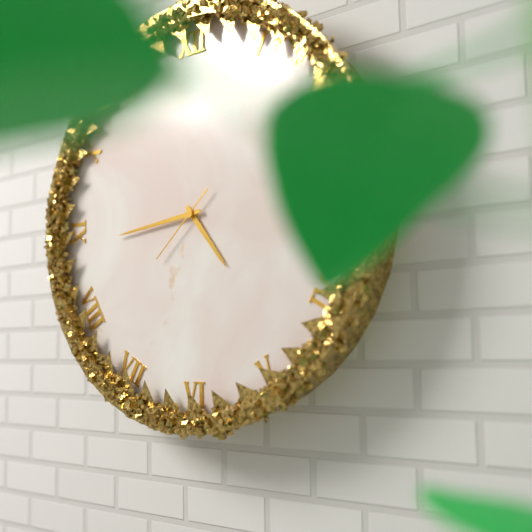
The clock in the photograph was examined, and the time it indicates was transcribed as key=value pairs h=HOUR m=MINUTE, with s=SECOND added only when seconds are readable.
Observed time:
h=4 m=44 s=38
